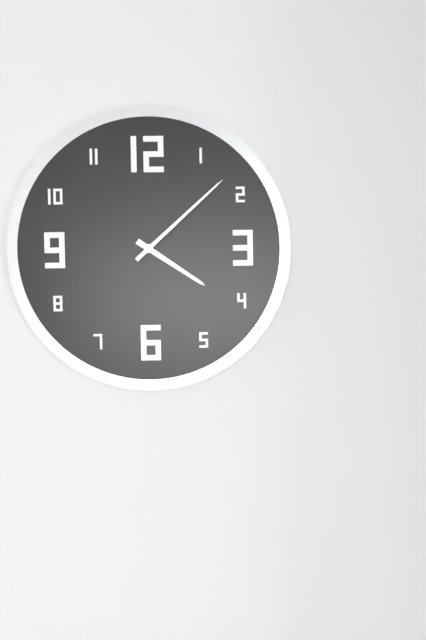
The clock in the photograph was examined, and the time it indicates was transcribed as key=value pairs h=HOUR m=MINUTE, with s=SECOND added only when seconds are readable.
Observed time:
h=4 m=8
